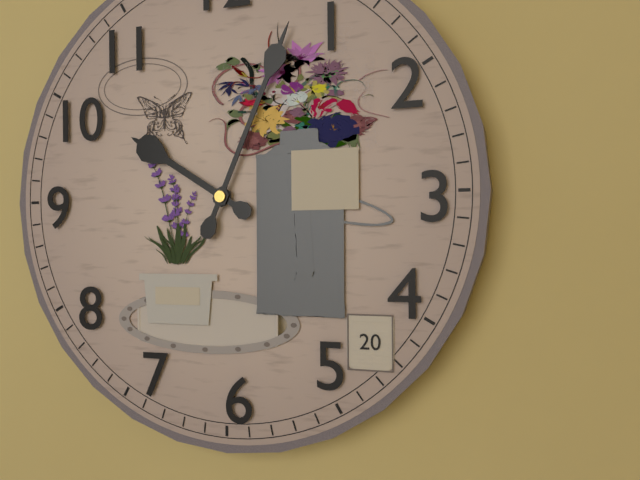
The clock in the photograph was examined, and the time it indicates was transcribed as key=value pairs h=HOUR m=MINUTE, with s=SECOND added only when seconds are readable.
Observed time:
h=10 m=4
